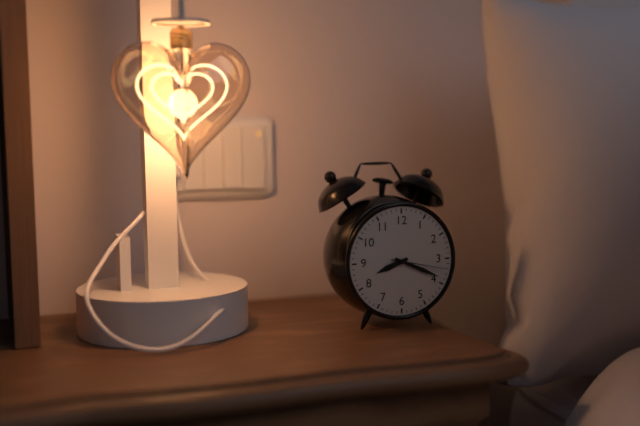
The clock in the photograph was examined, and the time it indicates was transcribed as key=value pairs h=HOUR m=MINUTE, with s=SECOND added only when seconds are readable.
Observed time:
h=8 m=19 s=17
